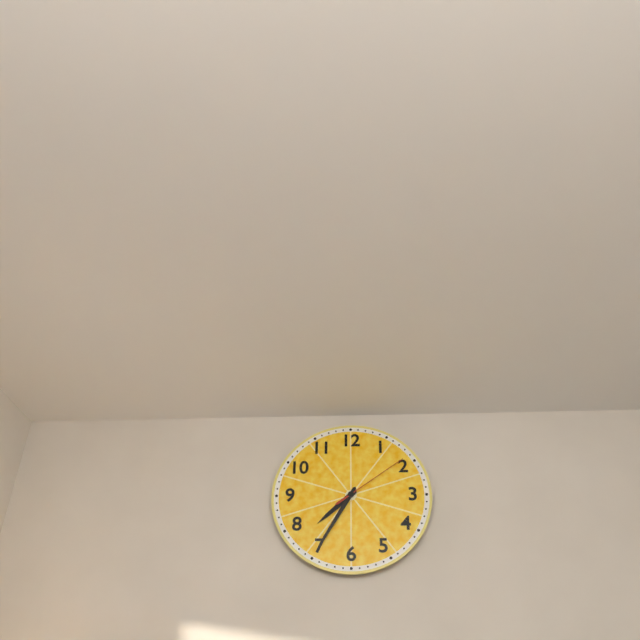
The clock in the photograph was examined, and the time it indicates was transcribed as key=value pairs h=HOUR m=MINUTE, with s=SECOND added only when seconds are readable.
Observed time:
h=7 m=35 s=9
